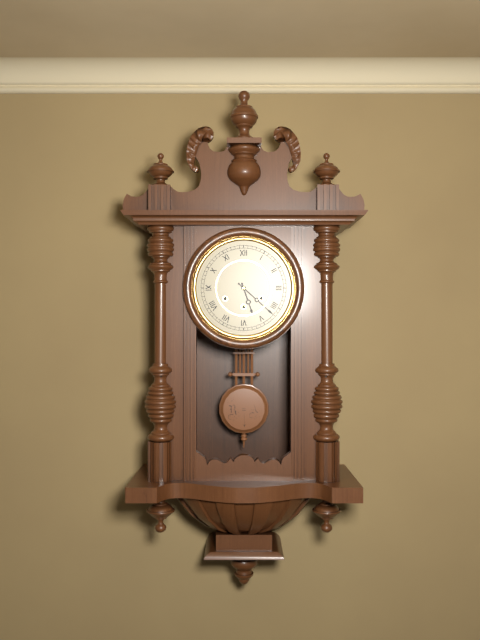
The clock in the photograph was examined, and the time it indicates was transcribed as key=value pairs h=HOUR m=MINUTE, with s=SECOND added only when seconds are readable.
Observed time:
h=5 m=22
